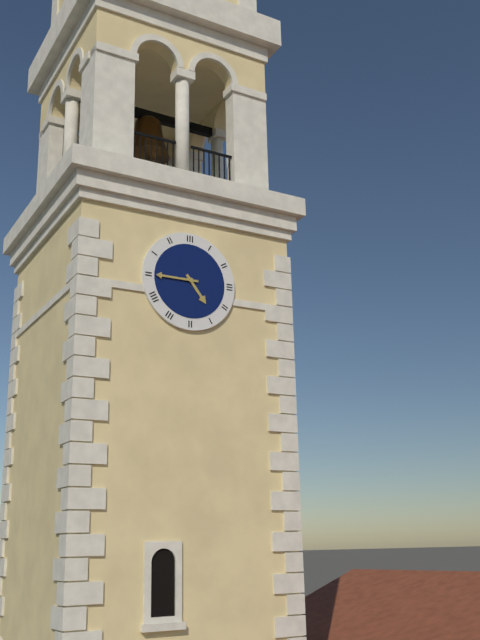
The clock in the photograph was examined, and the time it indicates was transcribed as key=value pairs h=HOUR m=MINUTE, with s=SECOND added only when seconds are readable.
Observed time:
h=4 m=45
